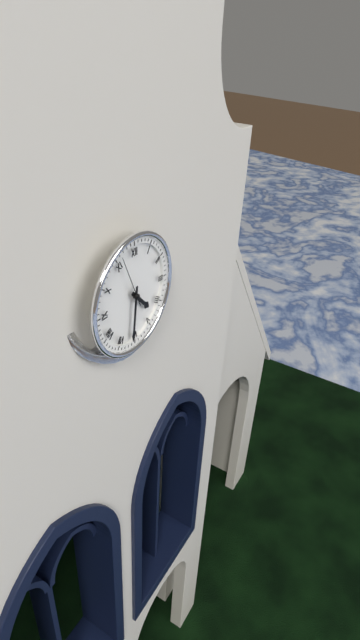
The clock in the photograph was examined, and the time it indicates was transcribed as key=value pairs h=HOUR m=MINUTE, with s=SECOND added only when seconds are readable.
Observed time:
h=4 m=31
